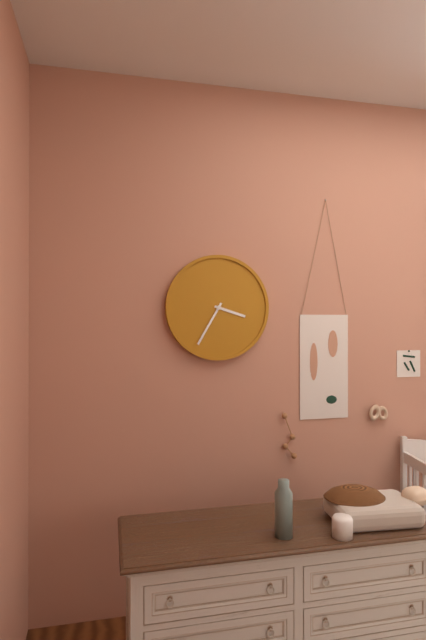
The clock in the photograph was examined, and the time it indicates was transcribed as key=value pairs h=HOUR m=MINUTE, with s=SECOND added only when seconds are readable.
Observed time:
h=3 m=35
